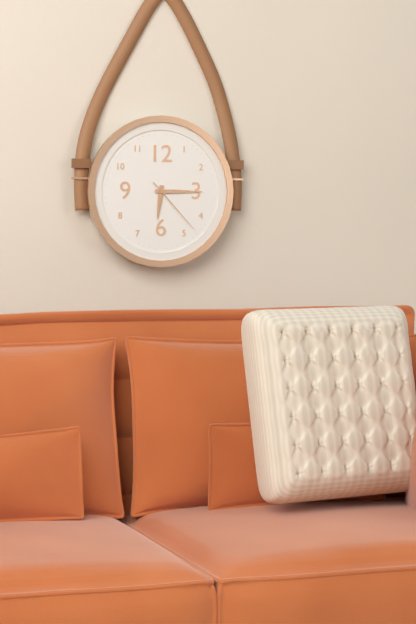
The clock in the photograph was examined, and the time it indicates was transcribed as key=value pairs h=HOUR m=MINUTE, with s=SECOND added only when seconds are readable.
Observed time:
h=6 m=15 s=23
